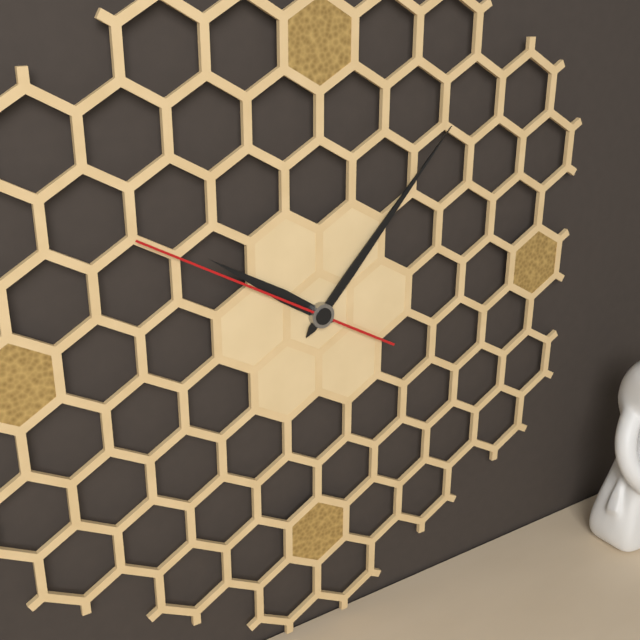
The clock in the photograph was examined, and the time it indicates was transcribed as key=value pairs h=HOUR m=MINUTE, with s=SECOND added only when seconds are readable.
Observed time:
h=10 m=7 s=50
